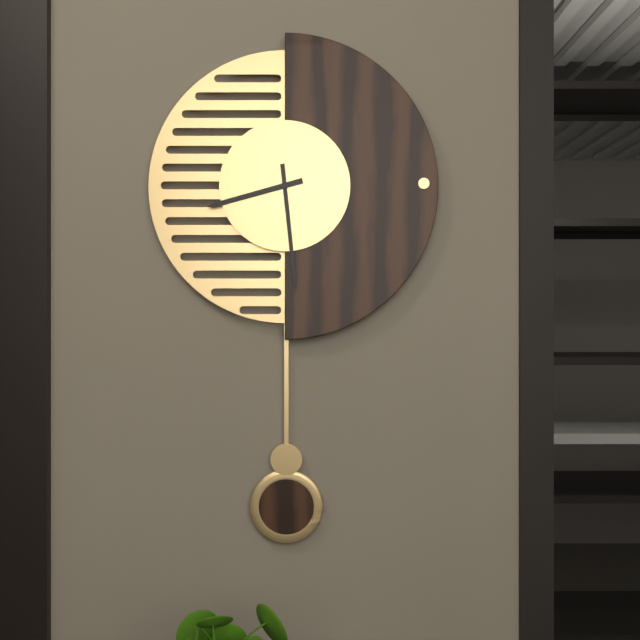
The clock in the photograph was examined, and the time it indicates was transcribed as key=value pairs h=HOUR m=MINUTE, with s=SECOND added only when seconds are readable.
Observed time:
h=8 m=29
